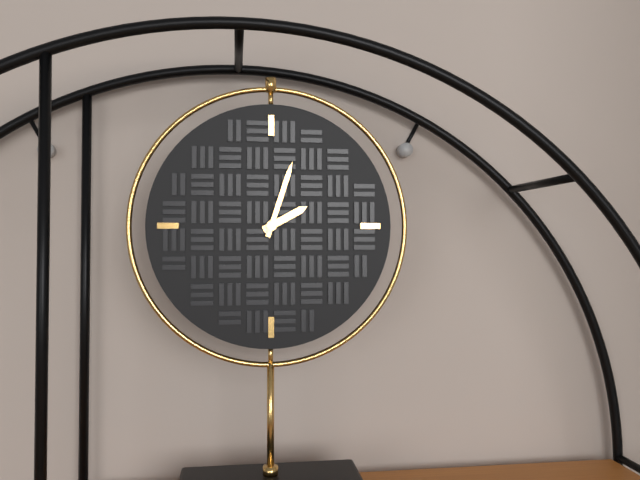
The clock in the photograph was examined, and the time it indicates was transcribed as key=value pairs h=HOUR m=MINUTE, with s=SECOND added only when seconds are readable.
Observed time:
h=2 m=3
